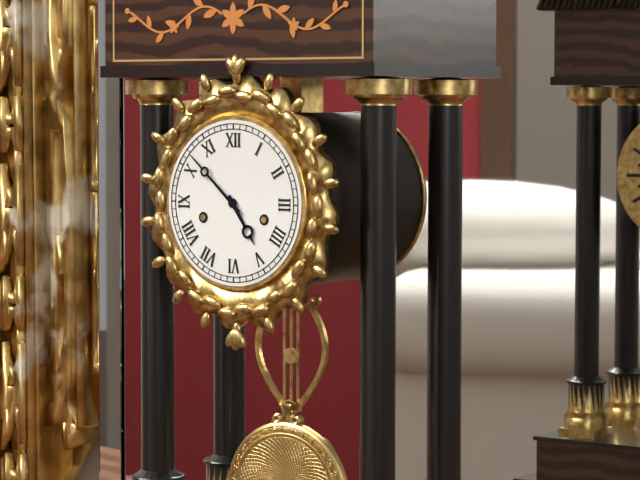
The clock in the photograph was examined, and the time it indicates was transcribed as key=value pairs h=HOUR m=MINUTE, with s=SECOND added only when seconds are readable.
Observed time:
h=4 m=52
